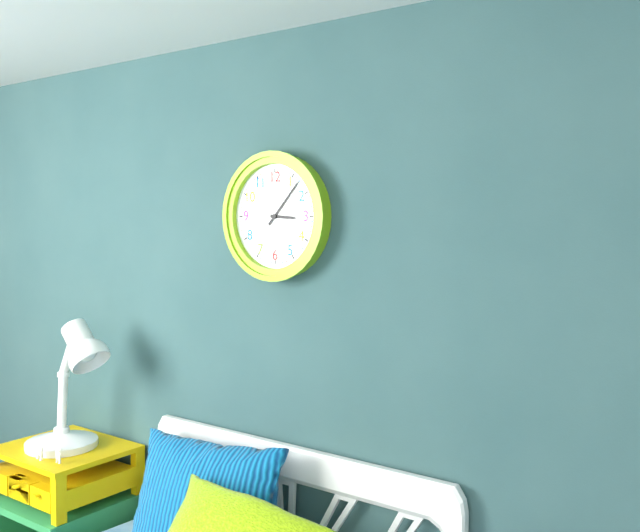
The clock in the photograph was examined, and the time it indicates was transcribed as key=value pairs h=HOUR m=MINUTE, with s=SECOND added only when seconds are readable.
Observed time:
h=3 m=7
